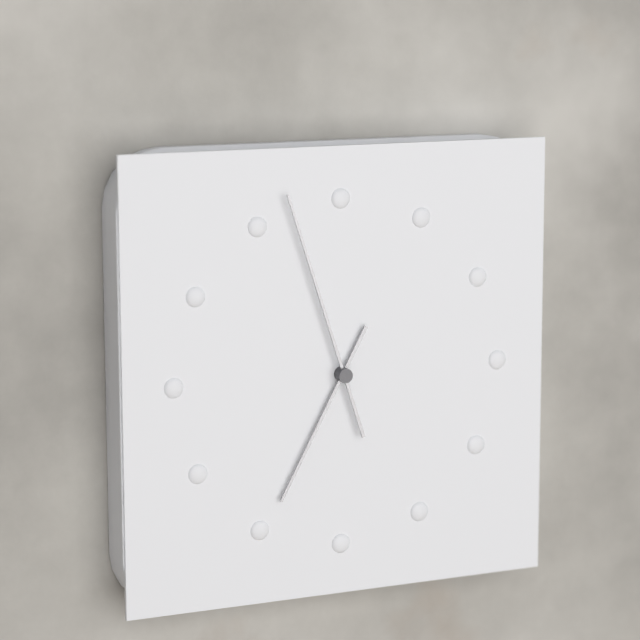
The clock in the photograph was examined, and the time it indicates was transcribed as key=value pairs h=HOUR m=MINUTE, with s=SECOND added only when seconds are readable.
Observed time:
h=6 m=57
